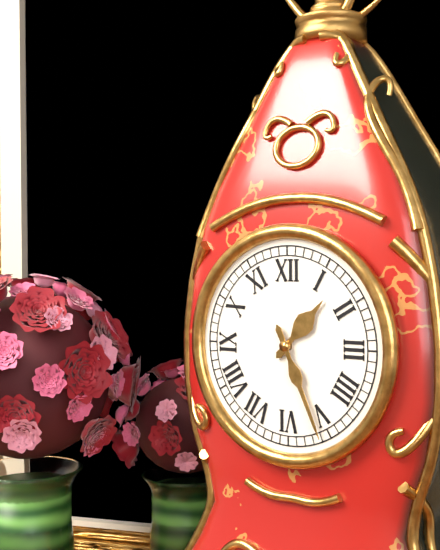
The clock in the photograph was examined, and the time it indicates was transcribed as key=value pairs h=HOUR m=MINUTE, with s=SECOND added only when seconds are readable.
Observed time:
h=1 m=26
